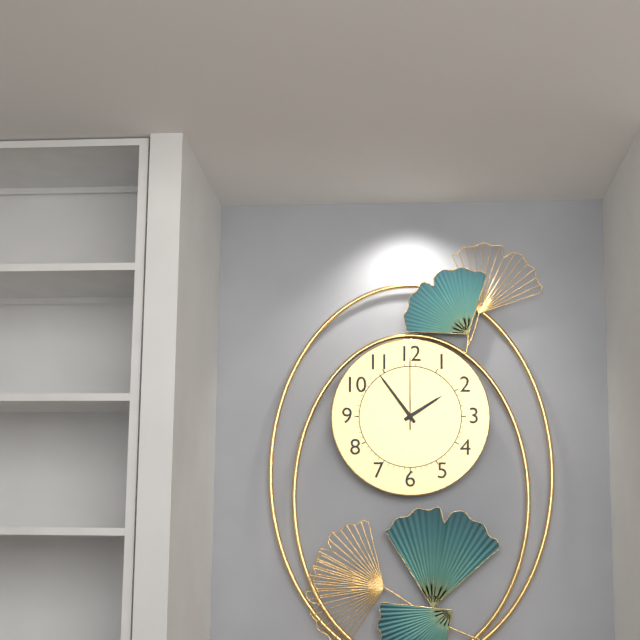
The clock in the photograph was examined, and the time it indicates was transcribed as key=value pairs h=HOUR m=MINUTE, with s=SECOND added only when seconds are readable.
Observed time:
h=1 m=54 s=0
